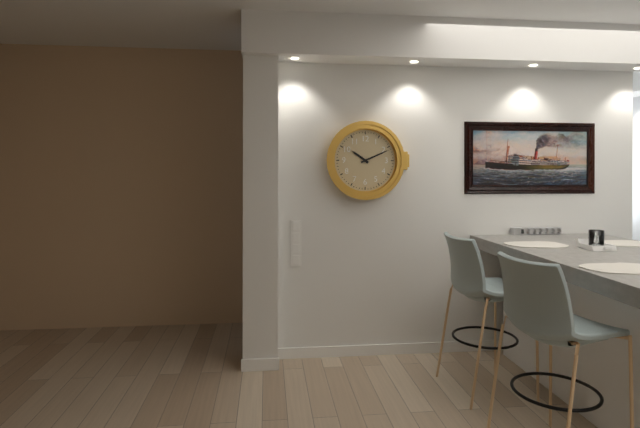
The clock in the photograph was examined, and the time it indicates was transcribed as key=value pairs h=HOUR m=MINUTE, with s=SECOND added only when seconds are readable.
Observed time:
h=10 m=11
